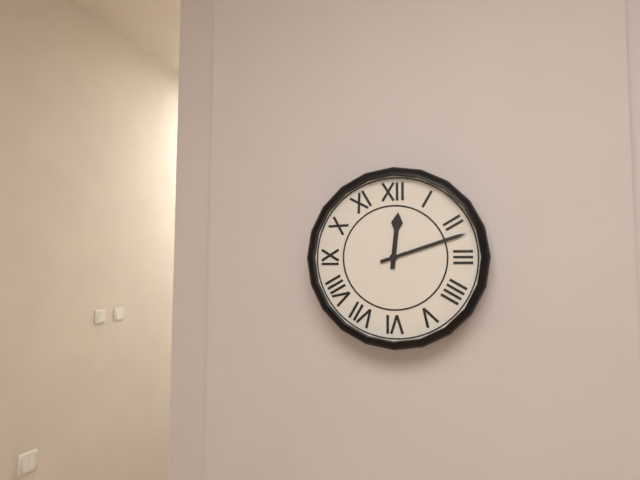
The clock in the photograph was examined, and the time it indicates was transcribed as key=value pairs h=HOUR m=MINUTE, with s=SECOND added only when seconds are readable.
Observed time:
h=12 m=12
